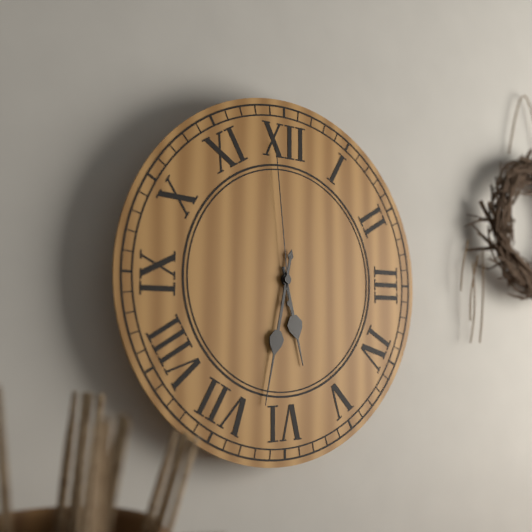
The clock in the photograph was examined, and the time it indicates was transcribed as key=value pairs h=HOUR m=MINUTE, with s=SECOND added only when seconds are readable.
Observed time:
h=5 m=32 s=59
